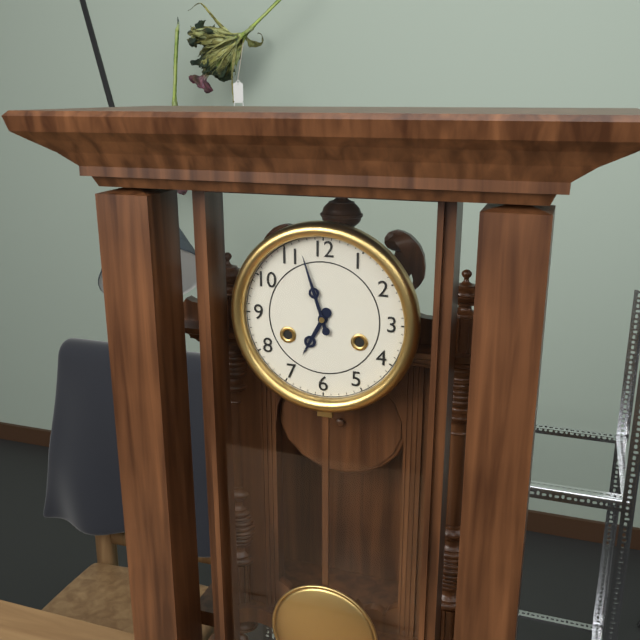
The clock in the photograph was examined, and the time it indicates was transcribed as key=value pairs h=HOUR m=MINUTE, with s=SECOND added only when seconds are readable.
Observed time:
h=6 m=57
